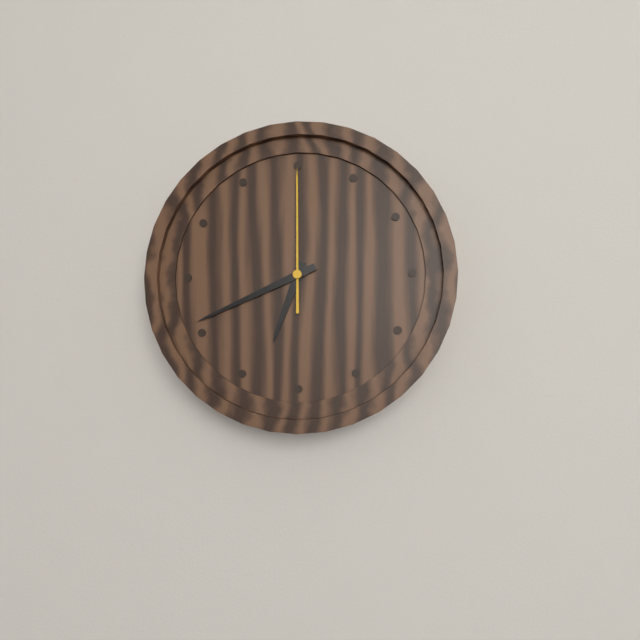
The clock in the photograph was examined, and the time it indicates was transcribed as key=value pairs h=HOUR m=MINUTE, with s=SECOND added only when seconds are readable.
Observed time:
h=6 m=41 s=0
